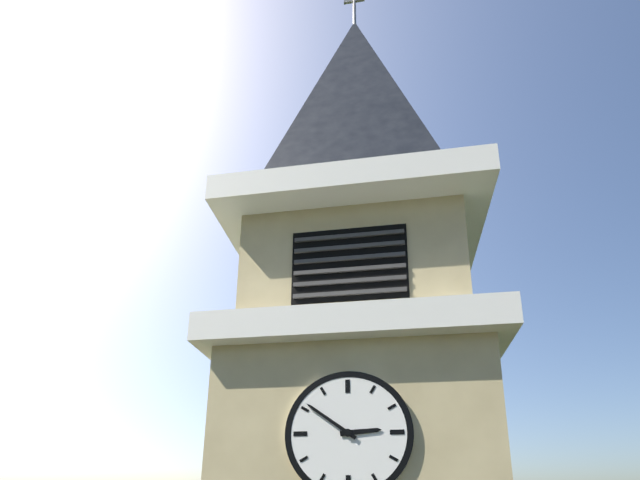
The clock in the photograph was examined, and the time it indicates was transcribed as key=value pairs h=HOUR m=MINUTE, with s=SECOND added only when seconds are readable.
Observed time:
h=2 m=51
